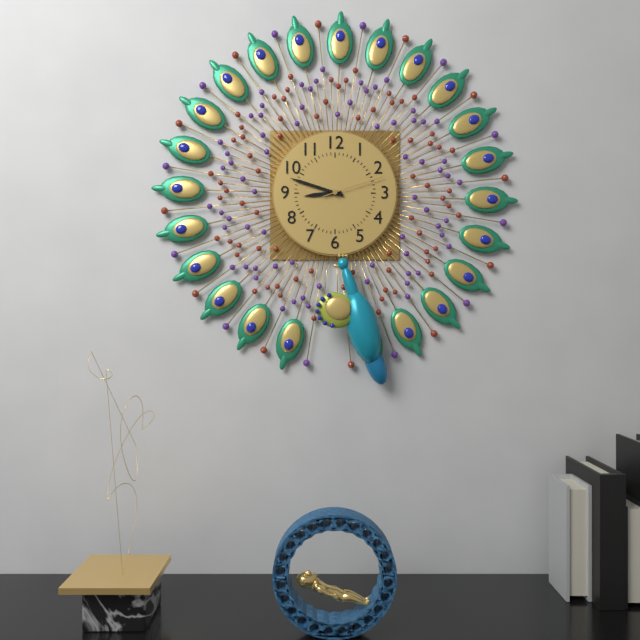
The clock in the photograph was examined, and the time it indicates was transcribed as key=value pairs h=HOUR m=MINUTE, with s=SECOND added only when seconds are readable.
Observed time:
h=8 m=48 s=12
